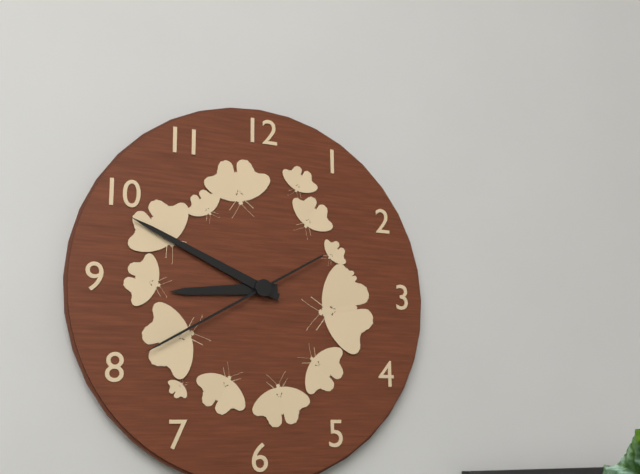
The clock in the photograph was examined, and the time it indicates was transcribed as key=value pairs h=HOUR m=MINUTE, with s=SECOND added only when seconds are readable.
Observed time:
h=8 m=49 s=40
